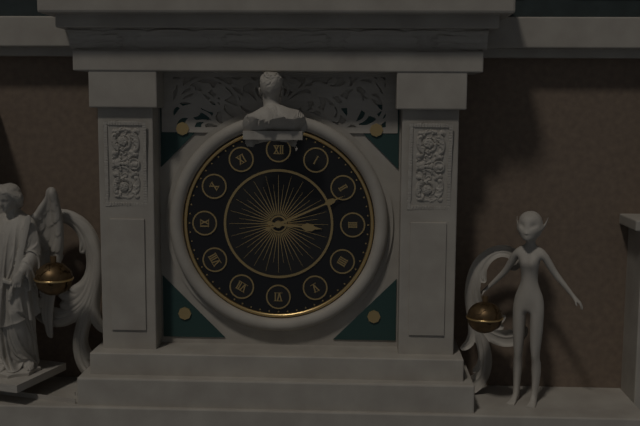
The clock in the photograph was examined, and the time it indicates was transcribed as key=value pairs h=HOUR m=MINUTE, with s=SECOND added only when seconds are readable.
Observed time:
h=3 m=11
